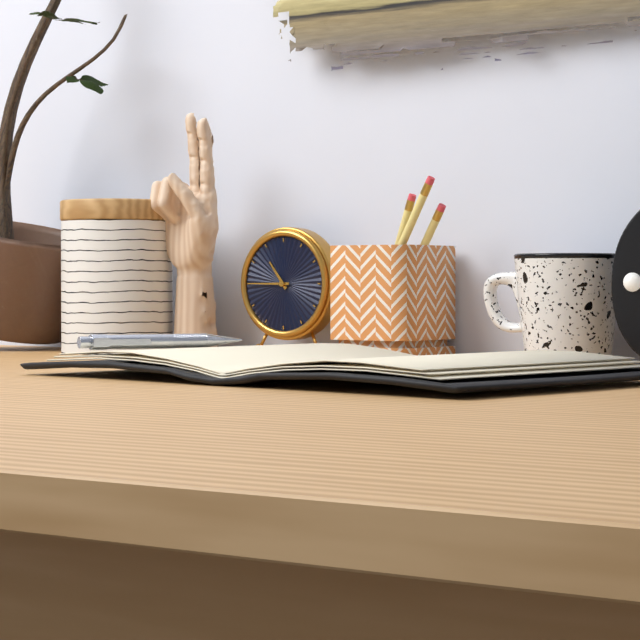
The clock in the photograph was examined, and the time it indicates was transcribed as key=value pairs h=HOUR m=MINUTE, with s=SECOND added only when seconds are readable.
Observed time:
h=10 m=45
